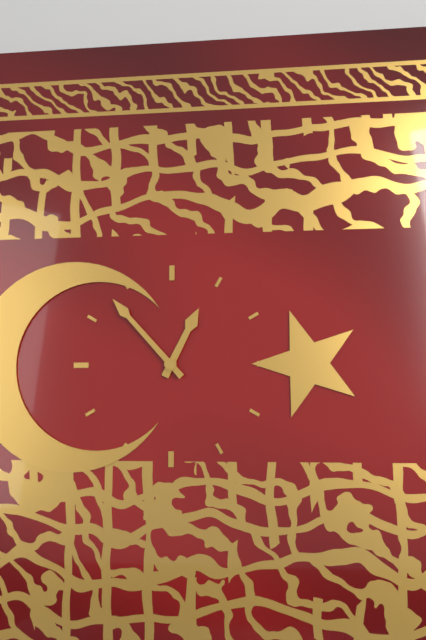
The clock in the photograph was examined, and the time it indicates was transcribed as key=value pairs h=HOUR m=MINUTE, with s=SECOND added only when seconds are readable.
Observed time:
h=12 m=53
